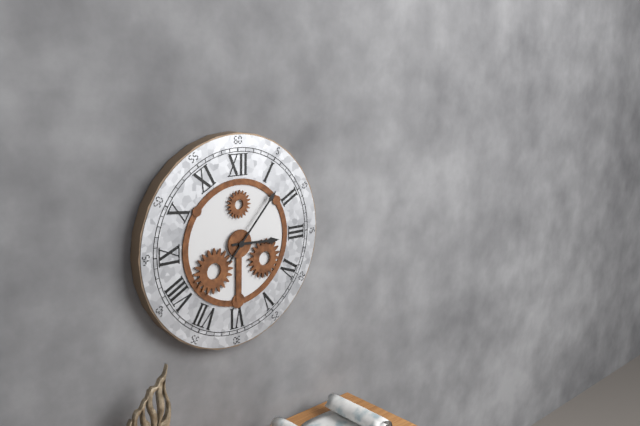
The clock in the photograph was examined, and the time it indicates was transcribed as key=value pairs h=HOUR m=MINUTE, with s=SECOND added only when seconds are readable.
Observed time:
h=3 m=7
